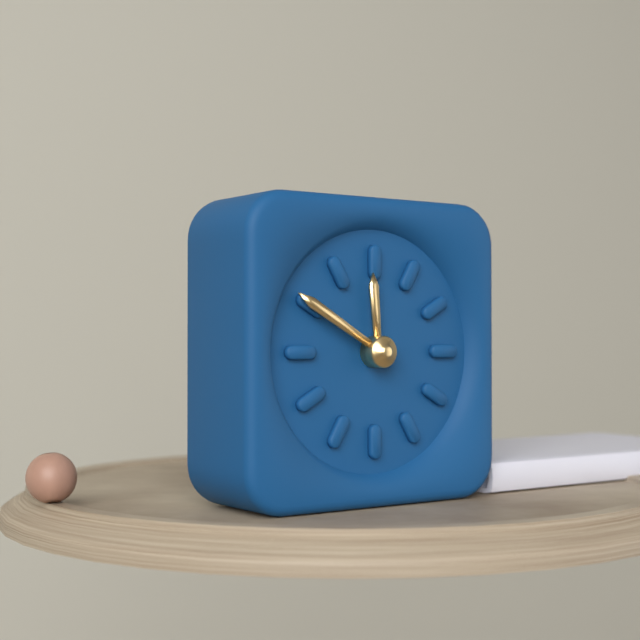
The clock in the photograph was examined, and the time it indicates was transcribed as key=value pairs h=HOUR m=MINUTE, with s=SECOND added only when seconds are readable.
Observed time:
h=11 m=50
